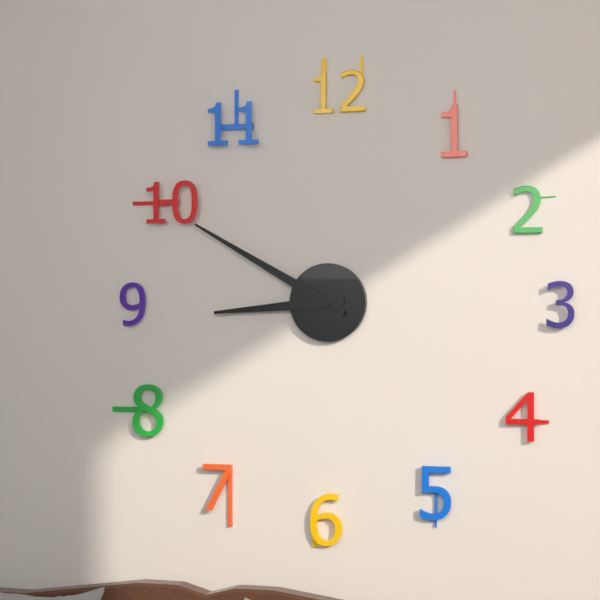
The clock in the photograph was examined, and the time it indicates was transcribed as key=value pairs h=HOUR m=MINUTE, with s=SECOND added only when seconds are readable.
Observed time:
h=8 m=50
